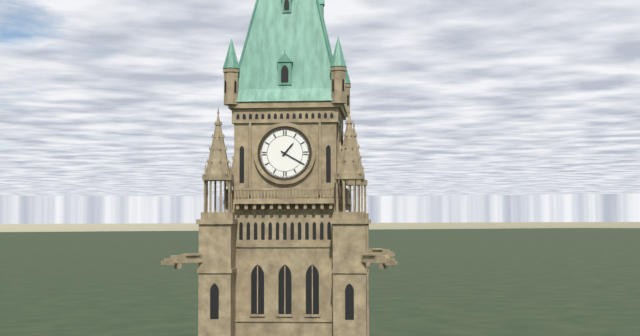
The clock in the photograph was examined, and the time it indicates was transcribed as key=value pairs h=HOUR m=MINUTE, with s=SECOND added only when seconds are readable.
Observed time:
h=1 m=20
